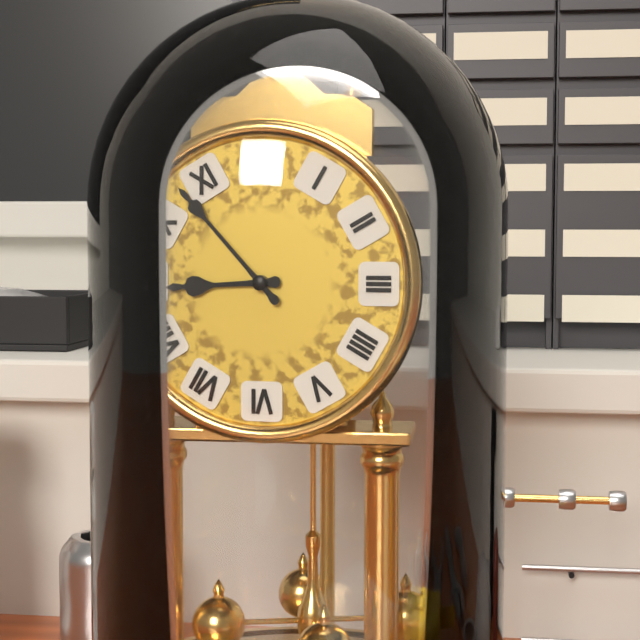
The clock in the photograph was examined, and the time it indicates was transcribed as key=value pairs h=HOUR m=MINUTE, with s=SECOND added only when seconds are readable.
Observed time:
h=8 m=53
